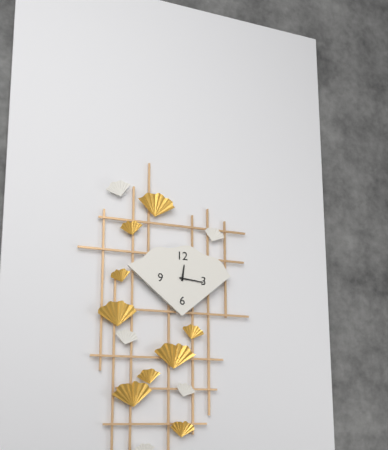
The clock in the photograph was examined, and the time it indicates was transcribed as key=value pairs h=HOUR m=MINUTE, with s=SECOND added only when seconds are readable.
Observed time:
h=12 m=16
